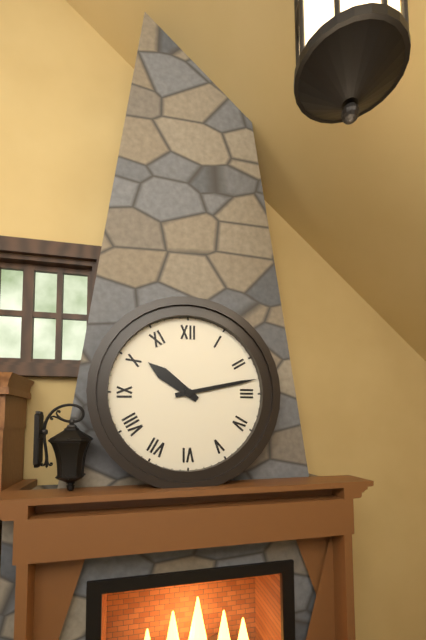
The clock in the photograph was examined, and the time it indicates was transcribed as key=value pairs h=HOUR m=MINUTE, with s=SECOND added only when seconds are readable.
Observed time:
h=10 m=13
